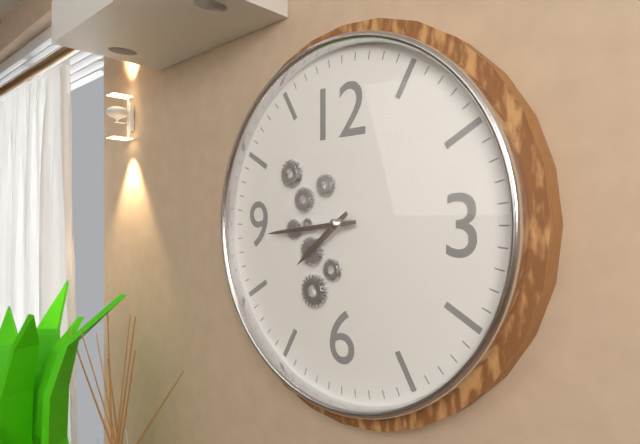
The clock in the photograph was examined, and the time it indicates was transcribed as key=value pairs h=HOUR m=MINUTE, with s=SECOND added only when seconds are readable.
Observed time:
h=7 m=44
